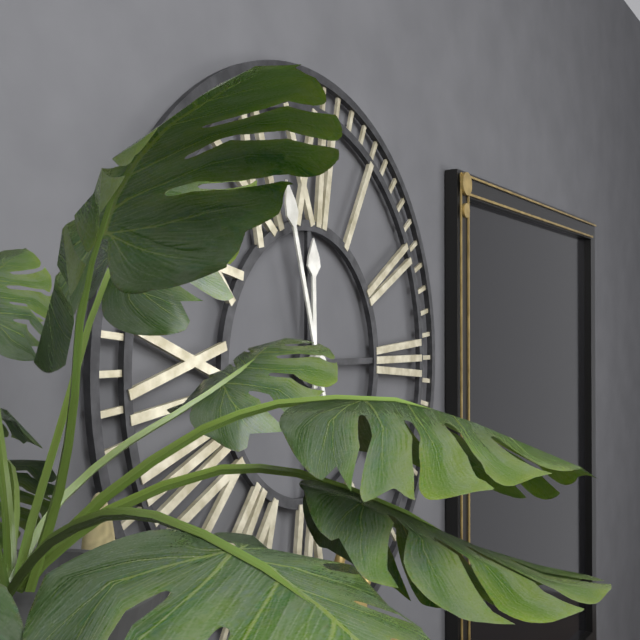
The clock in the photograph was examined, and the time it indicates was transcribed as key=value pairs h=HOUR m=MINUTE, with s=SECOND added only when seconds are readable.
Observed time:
h=11 m=57
